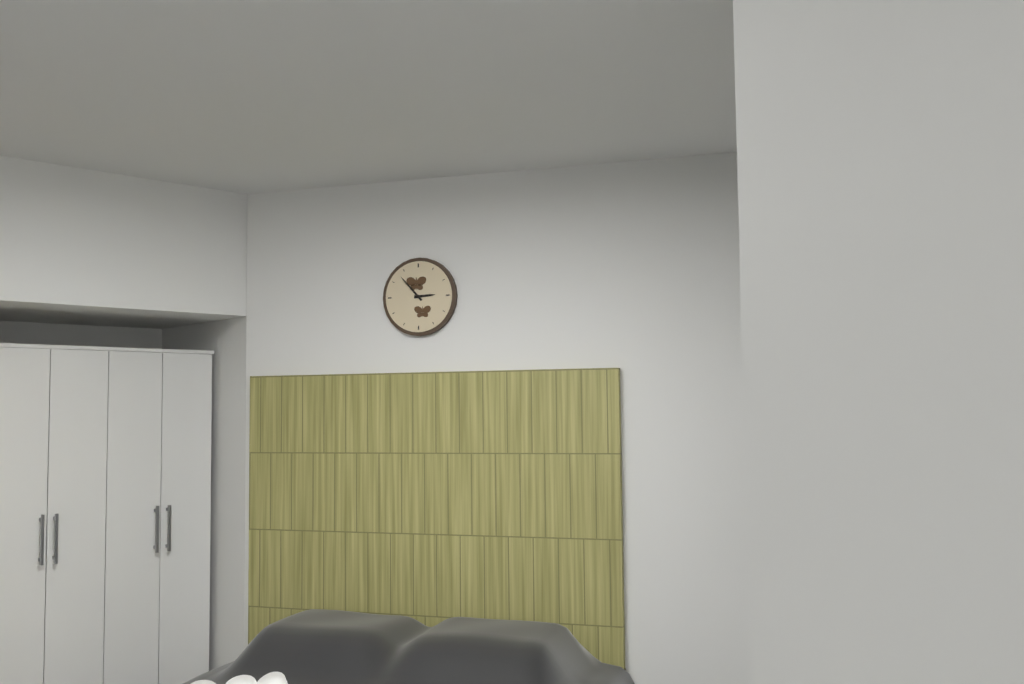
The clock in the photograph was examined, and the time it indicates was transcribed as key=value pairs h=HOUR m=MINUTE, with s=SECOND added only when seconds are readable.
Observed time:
h=2 m=53
